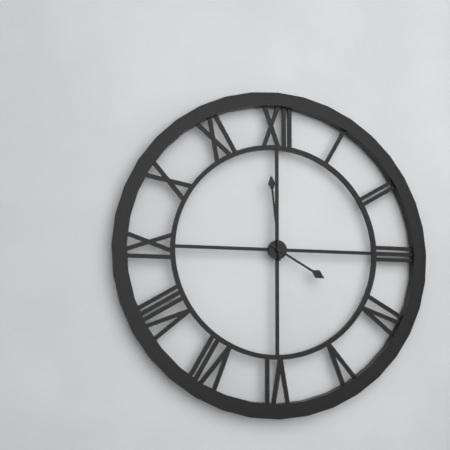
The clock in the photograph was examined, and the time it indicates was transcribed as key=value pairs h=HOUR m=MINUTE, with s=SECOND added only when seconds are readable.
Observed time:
h=3 m=59
